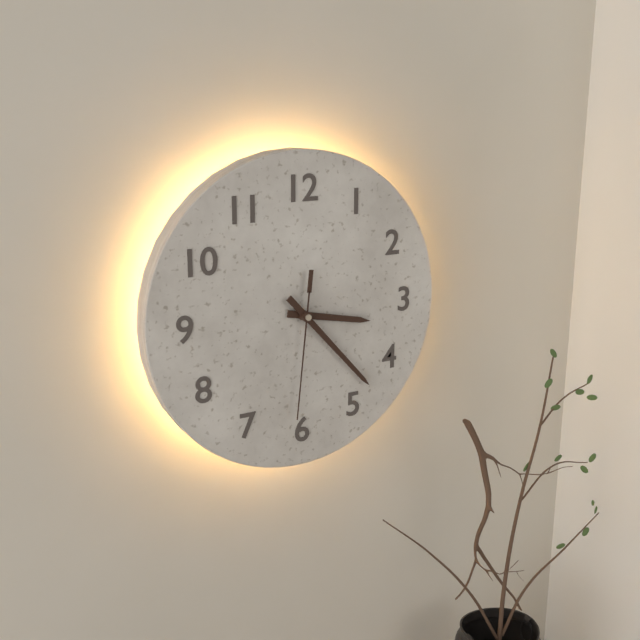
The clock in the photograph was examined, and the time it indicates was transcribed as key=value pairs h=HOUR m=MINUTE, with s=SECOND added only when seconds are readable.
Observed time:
h=3 m=23 s=31
